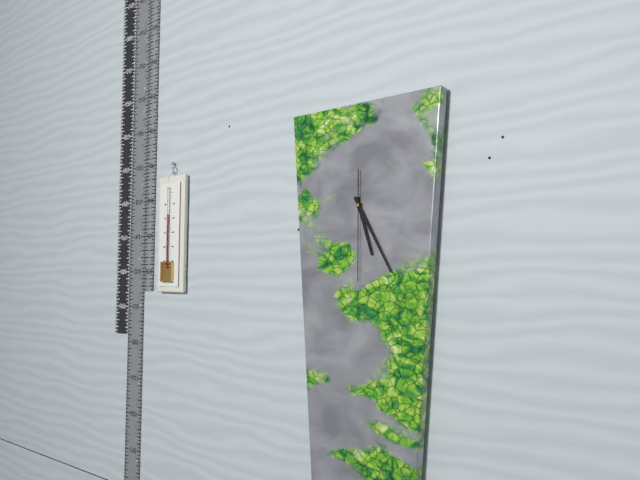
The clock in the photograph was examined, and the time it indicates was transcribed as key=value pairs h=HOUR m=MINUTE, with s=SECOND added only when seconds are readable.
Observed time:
h=5 m=25 s=30
